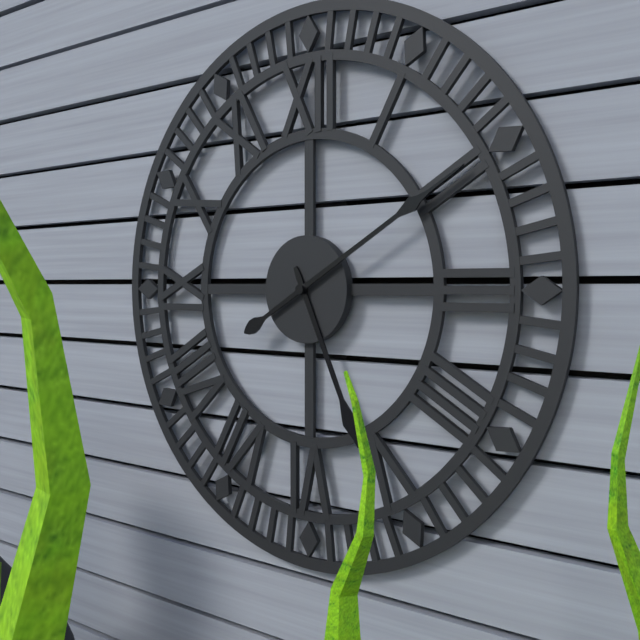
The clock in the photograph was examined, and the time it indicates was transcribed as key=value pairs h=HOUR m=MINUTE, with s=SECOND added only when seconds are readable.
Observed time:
h=5 m=10
